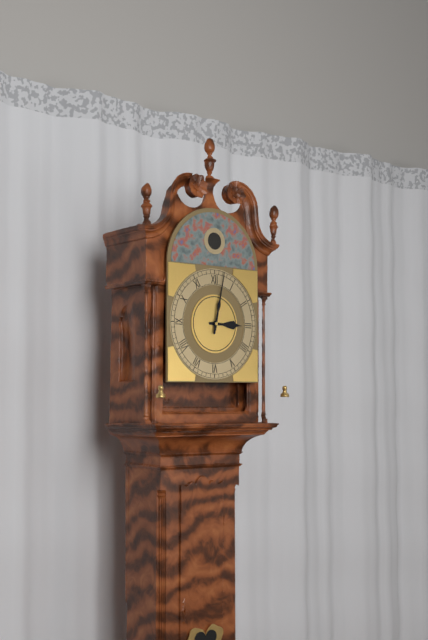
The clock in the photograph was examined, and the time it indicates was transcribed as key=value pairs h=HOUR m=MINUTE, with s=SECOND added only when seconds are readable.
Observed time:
h=3 m=2
